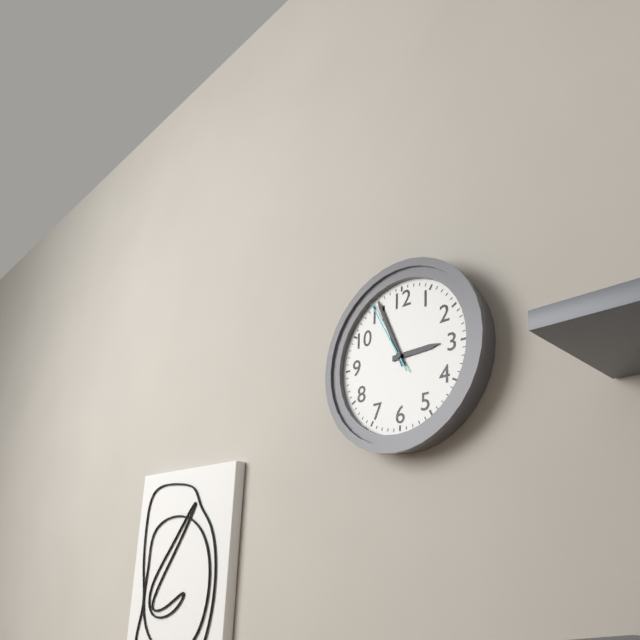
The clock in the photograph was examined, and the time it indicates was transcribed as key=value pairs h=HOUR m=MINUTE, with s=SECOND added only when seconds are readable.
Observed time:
h=2 m=56 s=55
